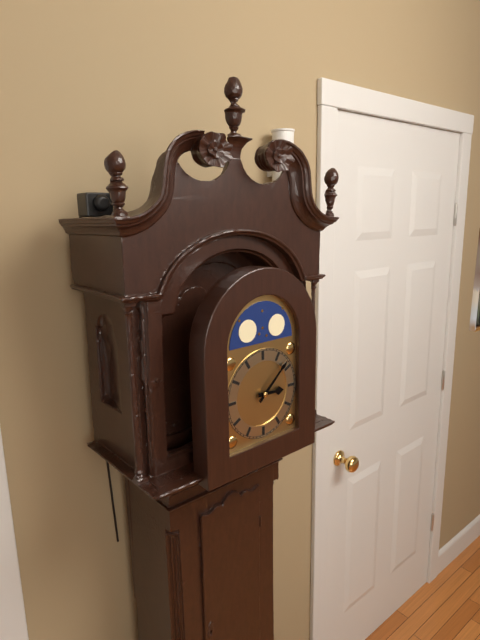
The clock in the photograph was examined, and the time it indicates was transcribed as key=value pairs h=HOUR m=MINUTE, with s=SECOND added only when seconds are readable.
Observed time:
h=3 m=8
